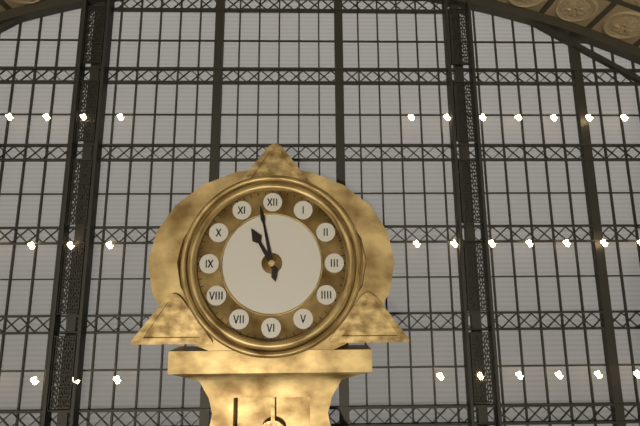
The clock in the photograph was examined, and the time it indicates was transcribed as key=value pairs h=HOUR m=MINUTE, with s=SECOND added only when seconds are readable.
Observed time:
h=10 m=58
